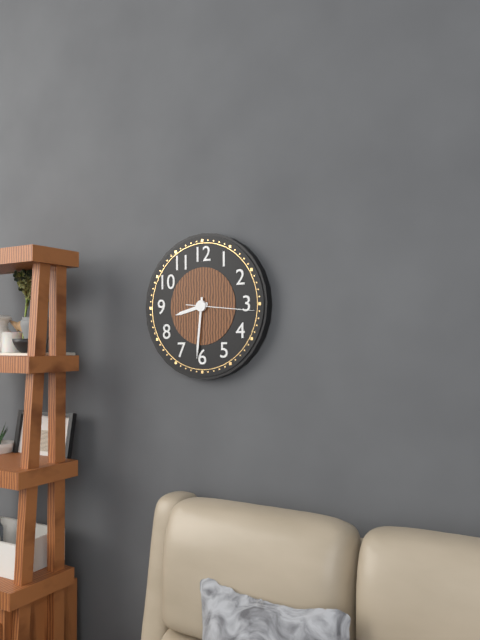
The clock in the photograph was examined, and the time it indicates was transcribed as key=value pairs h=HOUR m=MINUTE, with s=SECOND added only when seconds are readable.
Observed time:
h=8 m=31 s=16
